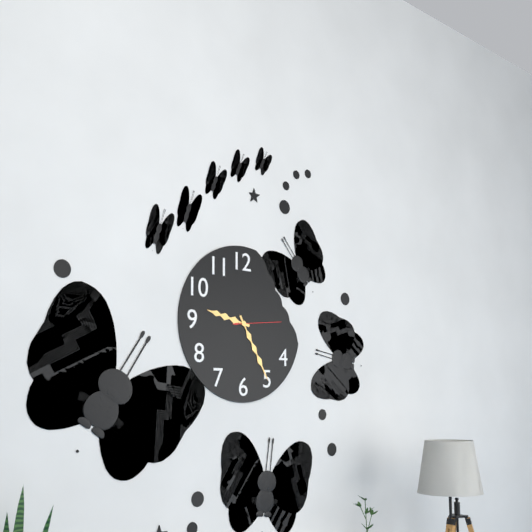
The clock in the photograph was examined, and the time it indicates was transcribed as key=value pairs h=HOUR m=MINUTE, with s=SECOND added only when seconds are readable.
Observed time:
h=9 m=25
